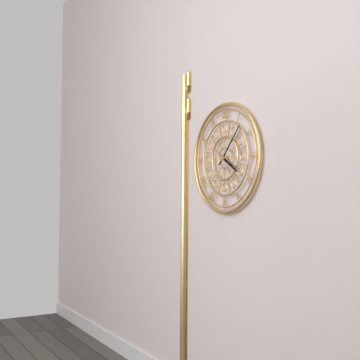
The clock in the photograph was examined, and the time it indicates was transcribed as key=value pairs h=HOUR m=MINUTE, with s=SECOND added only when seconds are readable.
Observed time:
h=4 m=7
